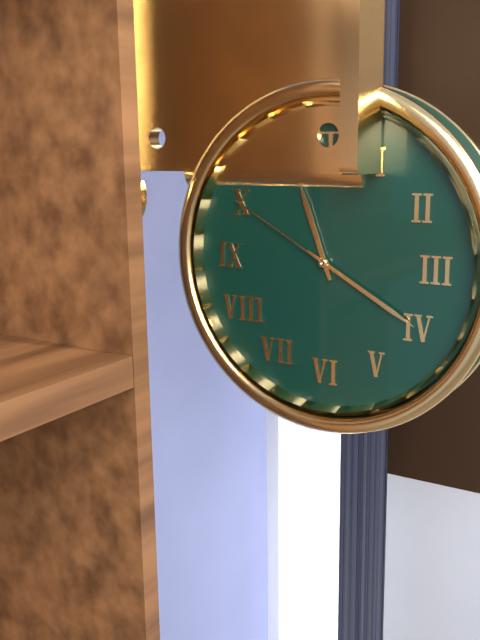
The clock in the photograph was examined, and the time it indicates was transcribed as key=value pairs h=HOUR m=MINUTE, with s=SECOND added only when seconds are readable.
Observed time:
h=11 m=20 s=50
